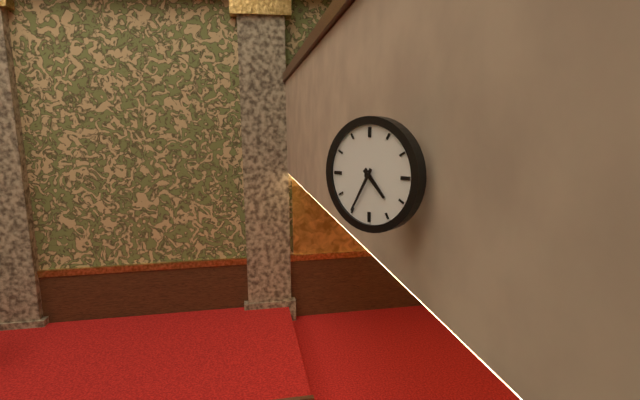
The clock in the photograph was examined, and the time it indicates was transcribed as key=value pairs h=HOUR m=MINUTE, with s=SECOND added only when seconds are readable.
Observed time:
h=4 m=35
